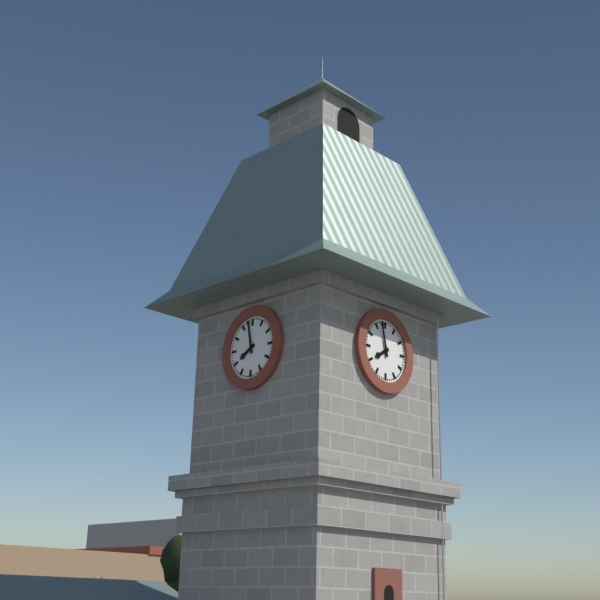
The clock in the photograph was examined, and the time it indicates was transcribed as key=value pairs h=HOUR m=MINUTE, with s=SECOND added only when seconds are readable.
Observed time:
h=7 m=58
